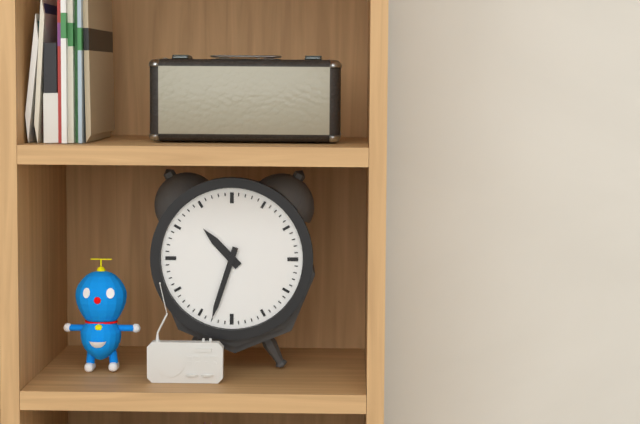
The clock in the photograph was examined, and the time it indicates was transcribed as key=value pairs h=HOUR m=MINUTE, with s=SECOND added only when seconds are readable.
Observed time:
h=10 m=33
